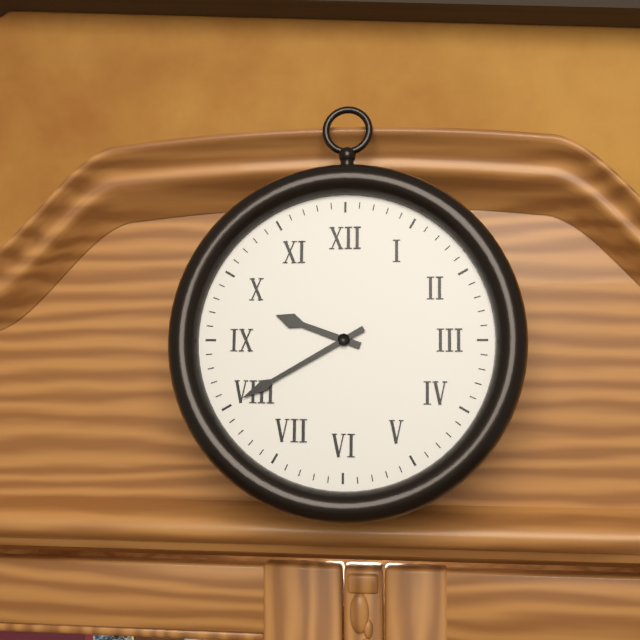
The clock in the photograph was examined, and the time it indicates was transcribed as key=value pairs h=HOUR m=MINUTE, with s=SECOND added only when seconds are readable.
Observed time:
h=9 m=40
